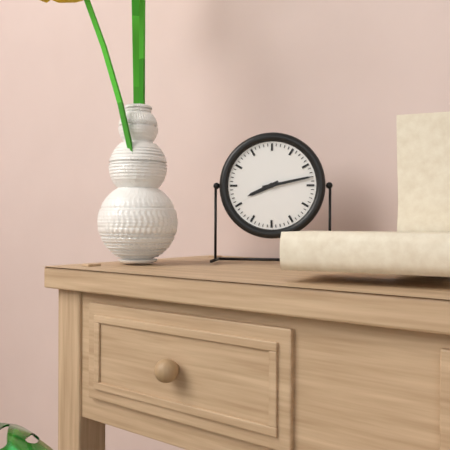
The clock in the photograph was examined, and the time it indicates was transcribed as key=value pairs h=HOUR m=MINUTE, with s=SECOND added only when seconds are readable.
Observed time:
h=8 m=13
